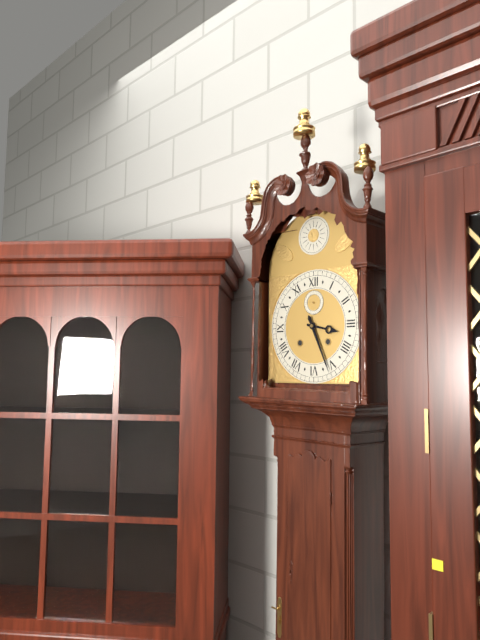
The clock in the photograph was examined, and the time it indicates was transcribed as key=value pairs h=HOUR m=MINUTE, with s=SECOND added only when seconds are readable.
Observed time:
h=3 m=26
